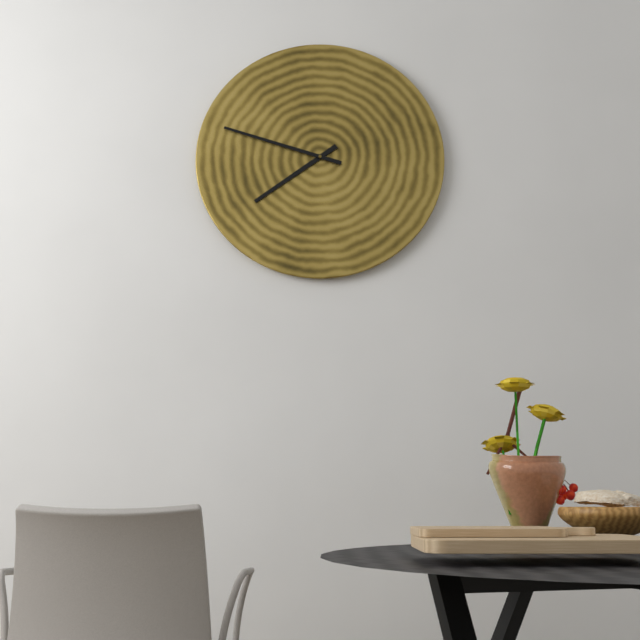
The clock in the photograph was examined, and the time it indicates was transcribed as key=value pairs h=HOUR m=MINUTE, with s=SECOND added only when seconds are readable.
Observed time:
h=7 m=48
